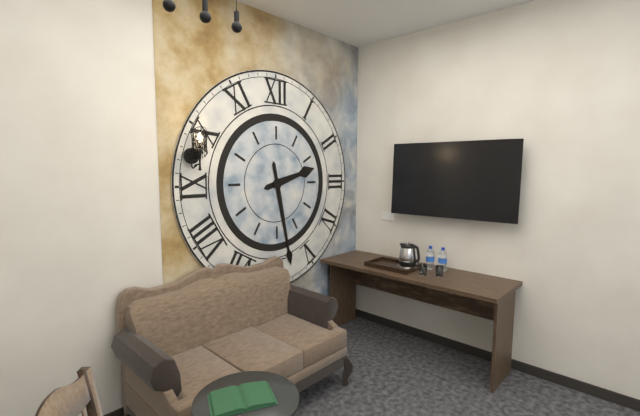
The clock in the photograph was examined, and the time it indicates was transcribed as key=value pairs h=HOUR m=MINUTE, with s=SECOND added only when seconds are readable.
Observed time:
h=2 m=28
